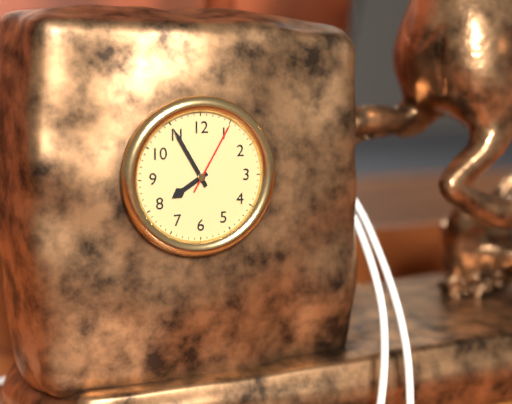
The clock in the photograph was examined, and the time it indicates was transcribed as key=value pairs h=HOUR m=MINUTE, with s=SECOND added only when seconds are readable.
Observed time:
h=7 m=55 s=5
